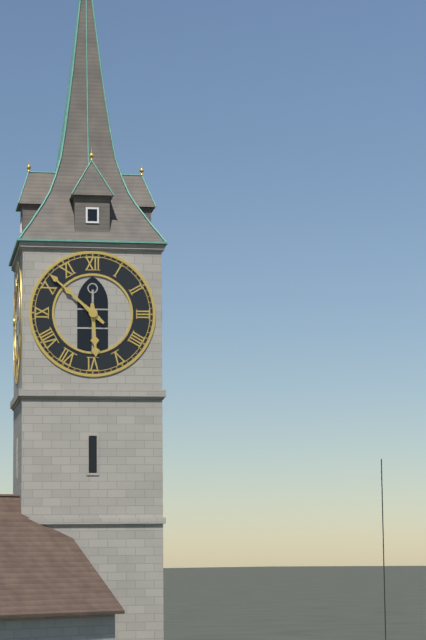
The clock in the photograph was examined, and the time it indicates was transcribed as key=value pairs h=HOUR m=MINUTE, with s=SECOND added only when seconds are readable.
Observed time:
h=5 m=52
